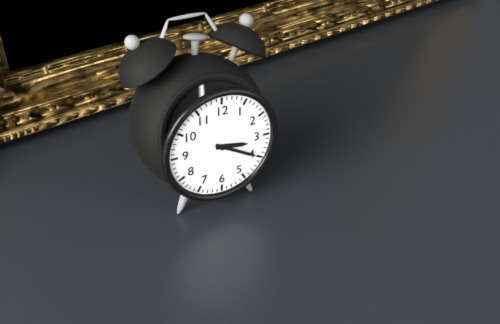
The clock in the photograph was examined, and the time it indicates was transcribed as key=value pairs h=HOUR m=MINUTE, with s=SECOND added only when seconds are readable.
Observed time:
h=3 m=20
